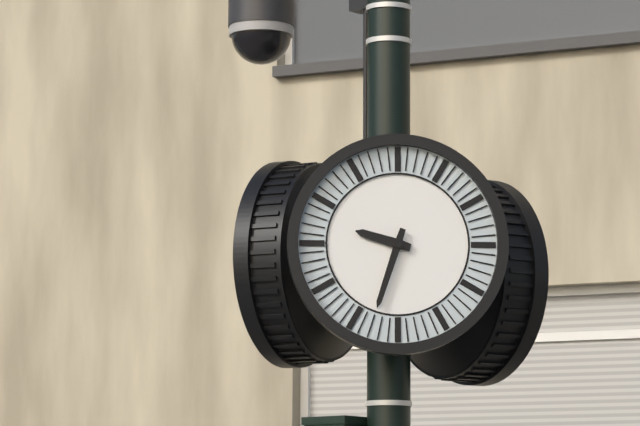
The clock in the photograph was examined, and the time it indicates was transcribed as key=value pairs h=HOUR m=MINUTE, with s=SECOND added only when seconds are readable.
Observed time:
h=9 m=33
